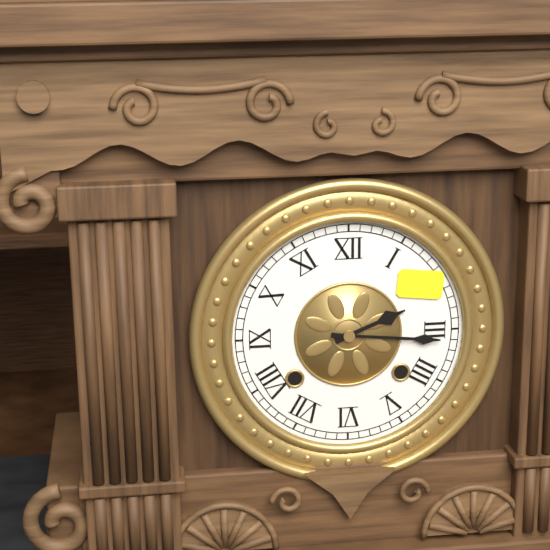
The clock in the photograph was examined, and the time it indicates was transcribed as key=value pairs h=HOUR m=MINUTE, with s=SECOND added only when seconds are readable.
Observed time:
h=2 m=16
